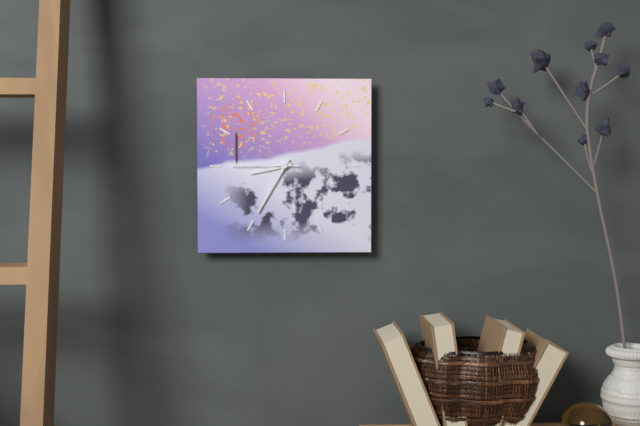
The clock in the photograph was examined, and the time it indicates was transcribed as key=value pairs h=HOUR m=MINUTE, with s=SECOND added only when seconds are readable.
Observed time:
h=8 m=35 s=45
